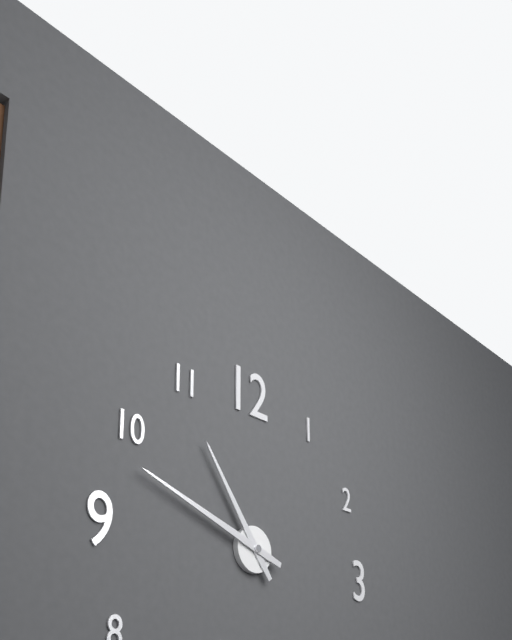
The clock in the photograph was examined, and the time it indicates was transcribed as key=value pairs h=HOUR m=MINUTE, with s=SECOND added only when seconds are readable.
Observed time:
h=10 m=48
